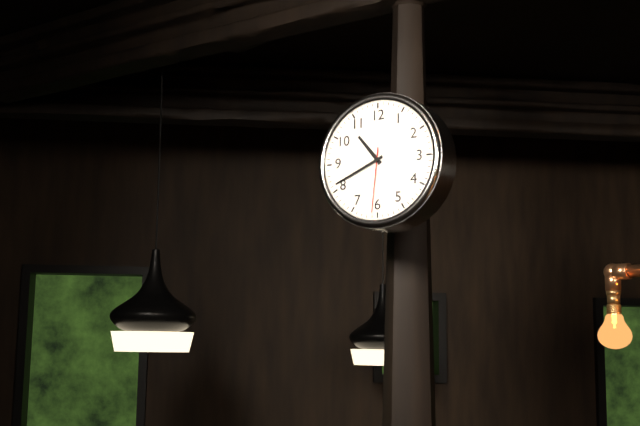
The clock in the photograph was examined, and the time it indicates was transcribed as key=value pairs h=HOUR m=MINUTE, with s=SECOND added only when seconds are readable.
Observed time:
h=10 m=41 s=31
